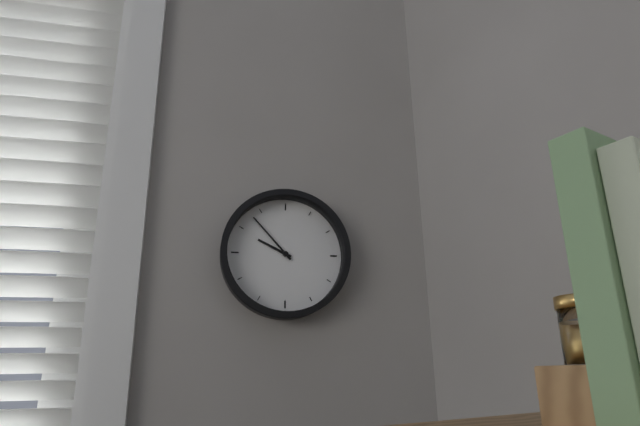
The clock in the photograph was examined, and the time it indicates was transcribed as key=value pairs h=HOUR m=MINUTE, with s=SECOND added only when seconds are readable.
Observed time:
h=9 m=53
